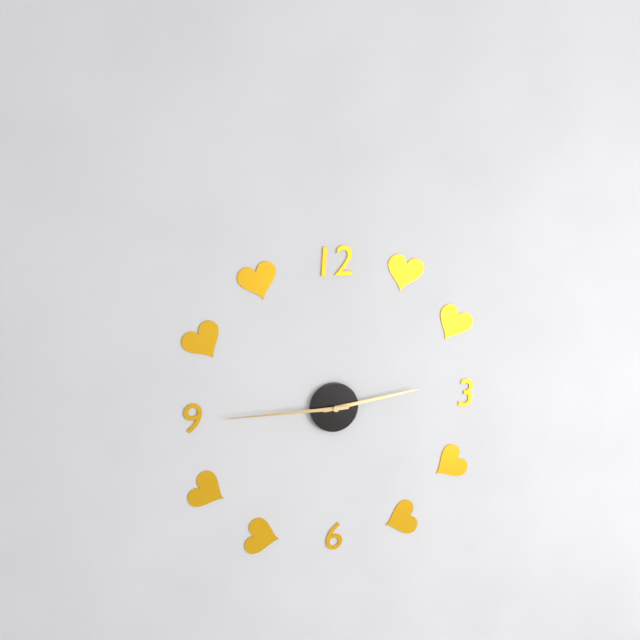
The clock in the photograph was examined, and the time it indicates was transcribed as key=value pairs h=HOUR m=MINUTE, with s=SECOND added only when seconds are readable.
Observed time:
h=2 m=45
